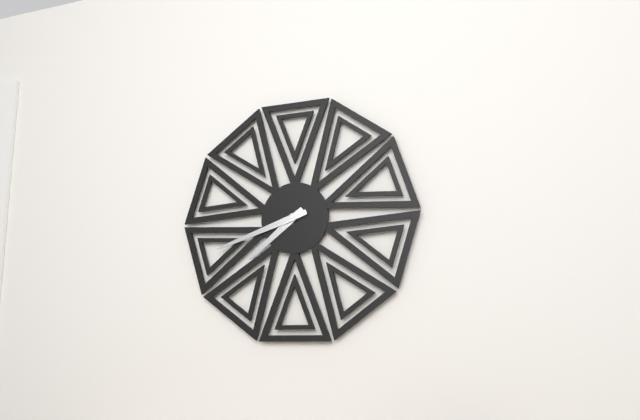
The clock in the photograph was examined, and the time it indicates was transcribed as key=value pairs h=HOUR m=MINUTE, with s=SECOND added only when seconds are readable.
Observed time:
h=7 m=42
